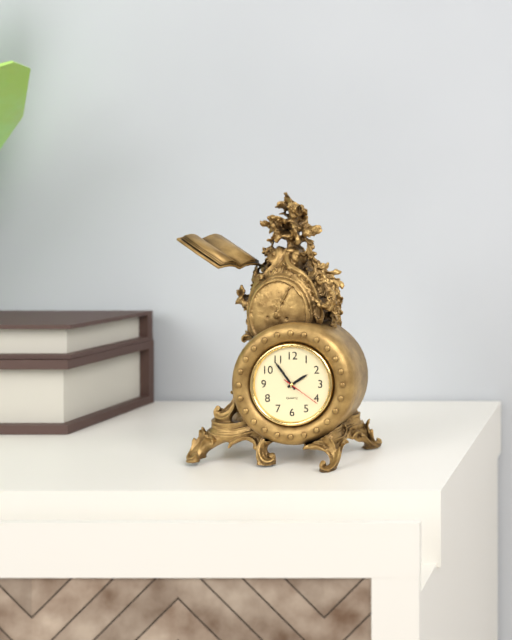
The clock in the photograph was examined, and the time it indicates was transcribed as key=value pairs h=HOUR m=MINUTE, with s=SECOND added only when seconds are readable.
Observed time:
h=1 m=54
